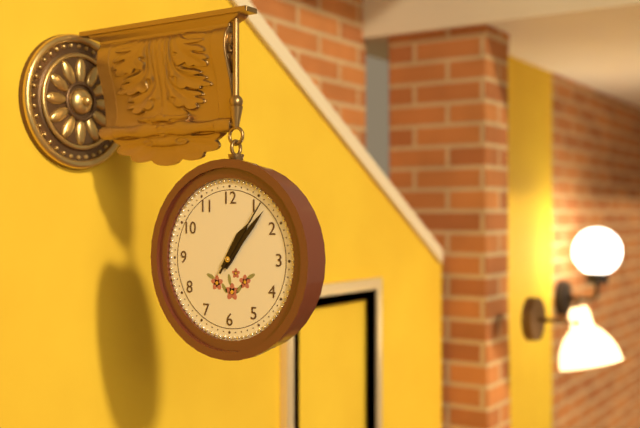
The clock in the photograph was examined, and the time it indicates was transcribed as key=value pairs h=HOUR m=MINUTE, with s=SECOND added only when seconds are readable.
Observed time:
h=1 m=7 s=6
